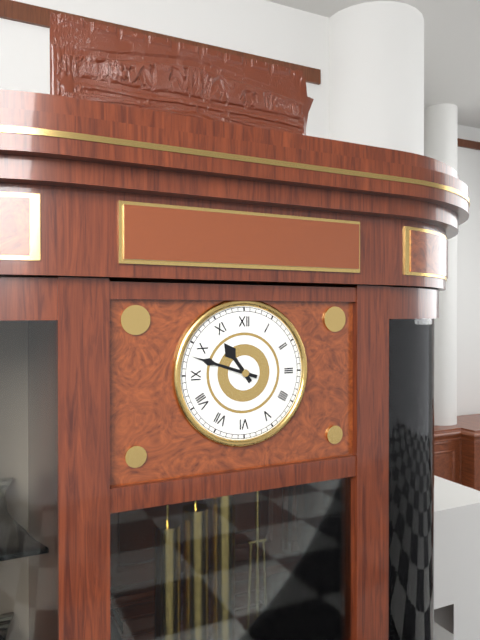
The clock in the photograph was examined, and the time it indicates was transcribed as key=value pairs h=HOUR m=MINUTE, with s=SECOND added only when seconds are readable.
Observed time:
h=10 m=48
